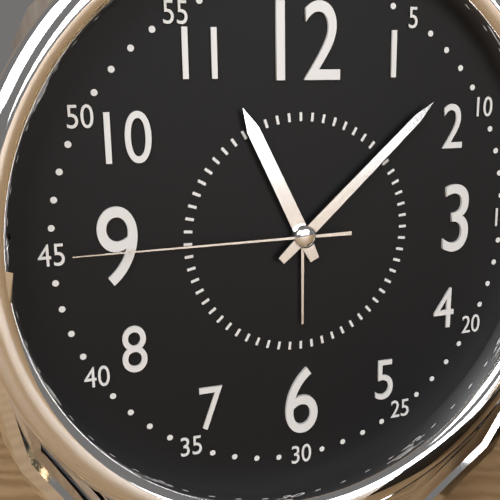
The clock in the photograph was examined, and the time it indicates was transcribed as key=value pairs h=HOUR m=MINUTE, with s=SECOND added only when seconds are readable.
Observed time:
h=11 m=8 s=45
